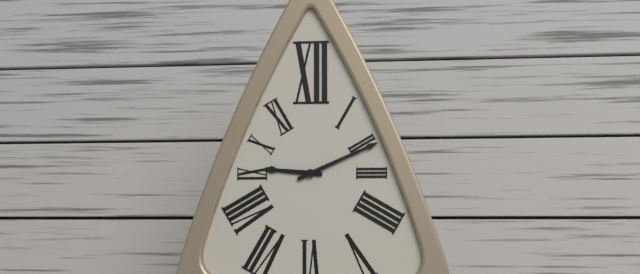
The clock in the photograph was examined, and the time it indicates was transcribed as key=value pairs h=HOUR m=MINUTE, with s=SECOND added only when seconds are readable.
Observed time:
h=9 m=11
